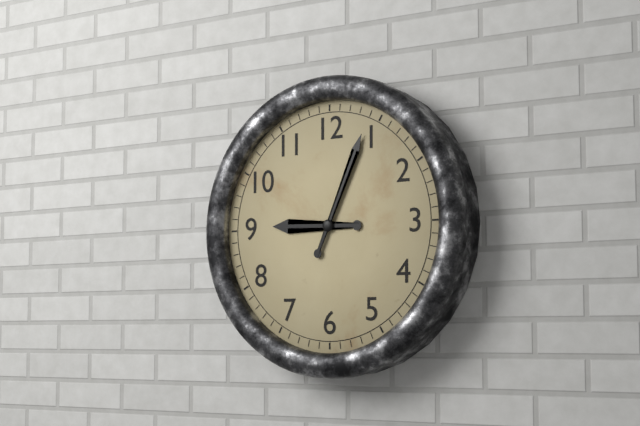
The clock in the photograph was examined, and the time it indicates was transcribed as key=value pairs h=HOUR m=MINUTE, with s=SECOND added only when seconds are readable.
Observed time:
h=9 m=4
